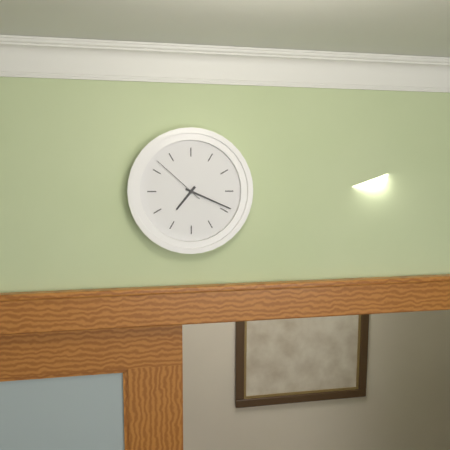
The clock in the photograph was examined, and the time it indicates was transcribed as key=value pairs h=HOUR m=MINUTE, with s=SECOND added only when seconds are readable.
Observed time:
h=7 m=19 s=52
